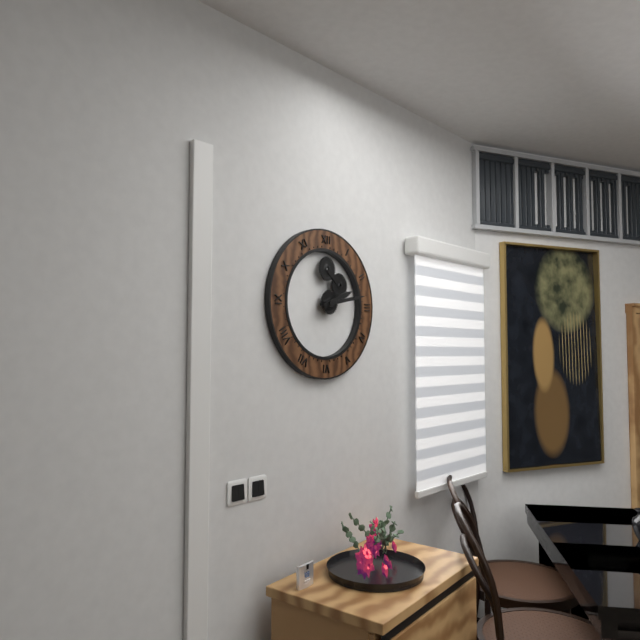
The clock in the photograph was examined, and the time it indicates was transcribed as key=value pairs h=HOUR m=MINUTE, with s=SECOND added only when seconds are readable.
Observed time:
h=2 m=13
